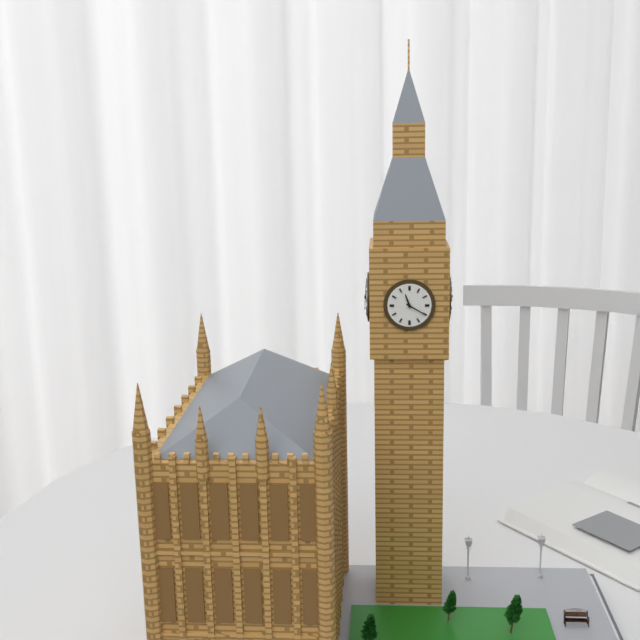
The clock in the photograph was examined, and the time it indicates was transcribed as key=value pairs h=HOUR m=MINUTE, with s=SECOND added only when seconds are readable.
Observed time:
h=11 m=20
